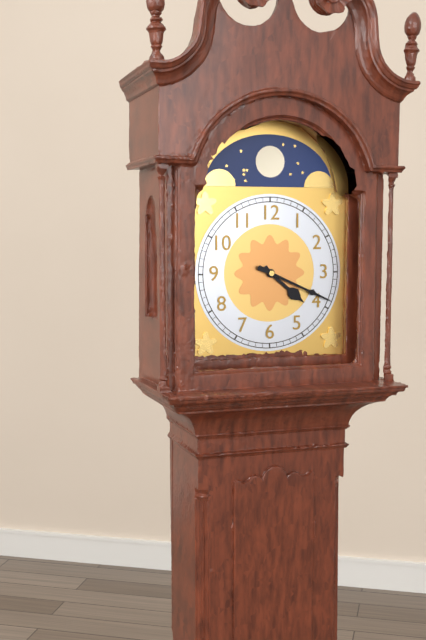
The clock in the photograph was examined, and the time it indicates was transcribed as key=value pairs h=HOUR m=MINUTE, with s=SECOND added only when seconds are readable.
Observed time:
h=4 m=19
